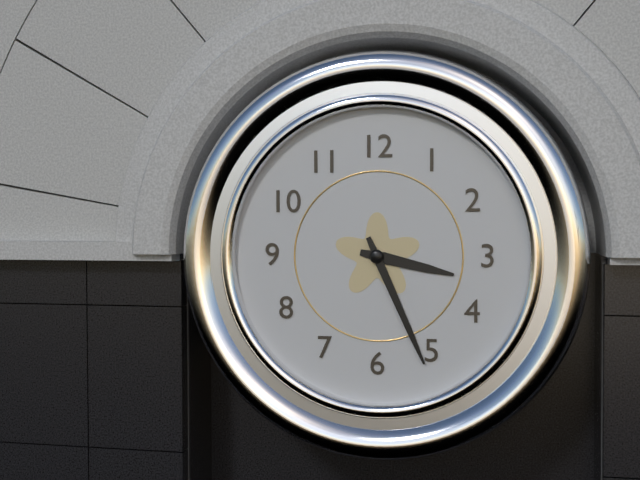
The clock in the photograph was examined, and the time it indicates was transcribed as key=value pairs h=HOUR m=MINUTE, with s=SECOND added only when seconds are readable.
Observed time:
h=3 m=26
